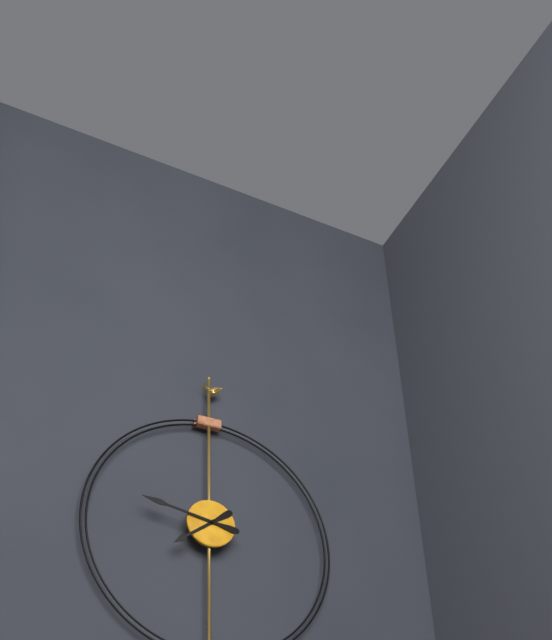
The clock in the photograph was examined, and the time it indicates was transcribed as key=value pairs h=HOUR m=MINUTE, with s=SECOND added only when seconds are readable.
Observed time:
h=7 m=47
